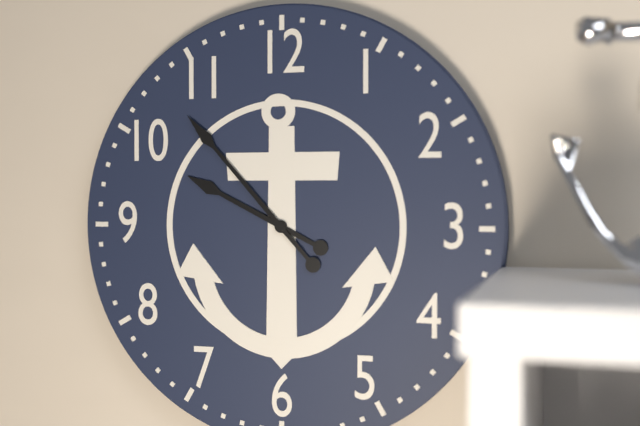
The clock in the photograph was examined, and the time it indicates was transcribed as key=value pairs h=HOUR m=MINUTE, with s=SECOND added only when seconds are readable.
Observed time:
h=9 m=53
